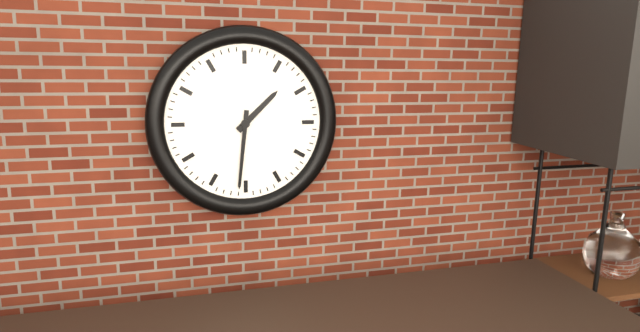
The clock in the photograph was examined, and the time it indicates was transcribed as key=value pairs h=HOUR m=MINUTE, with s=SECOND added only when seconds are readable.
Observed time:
h=1 m=31
